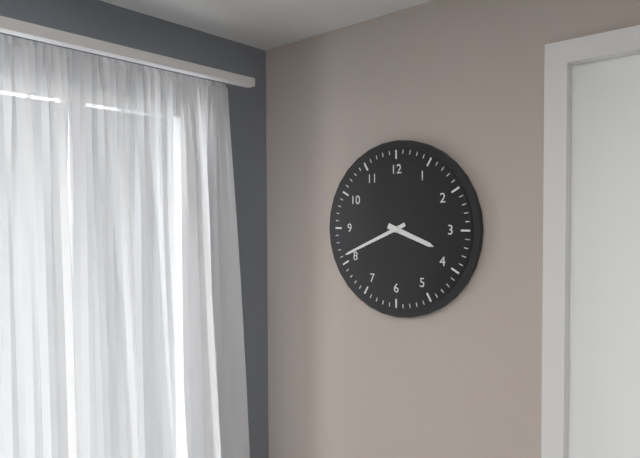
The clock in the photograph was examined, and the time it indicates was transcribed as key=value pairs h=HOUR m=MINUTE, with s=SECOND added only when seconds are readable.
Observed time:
h=3 m=41
